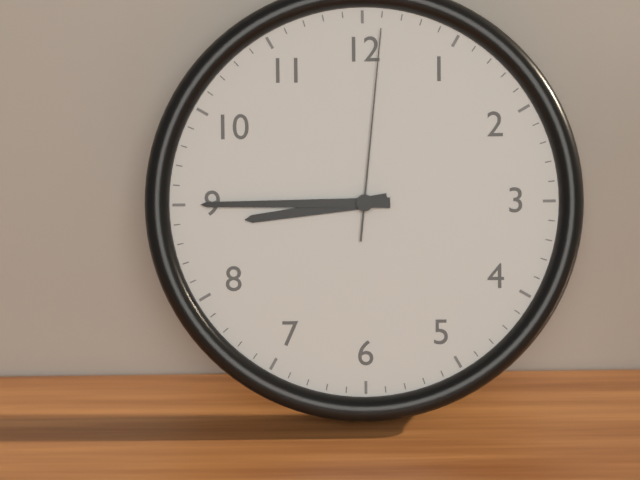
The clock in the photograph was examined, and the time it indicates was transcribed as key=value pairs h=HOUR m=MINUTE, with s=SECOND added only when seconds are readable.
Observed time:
h=8 m=45 s=1
